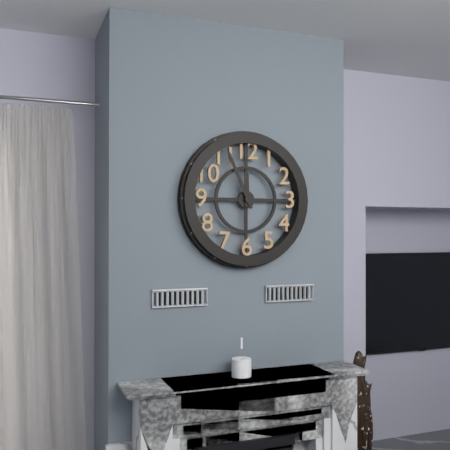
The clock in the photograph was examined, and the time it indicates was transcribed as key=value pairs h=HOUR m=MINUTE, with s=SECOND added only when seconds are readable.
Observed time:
h=11 m=56
